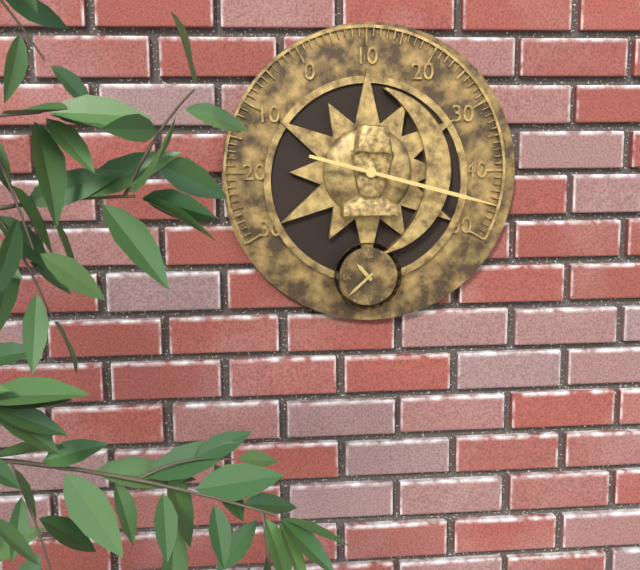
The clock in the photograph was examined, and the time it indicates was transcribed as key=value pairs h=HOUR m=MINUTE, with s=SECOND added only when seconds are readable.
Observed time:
h=10 m=38
